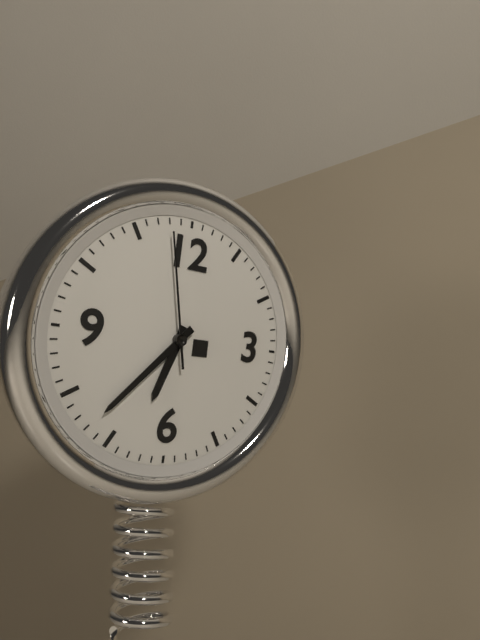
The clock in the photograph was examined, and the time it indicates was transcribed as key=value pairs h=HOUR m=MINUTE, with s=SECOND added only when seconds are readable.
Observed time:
h=6 m=37 s=58
